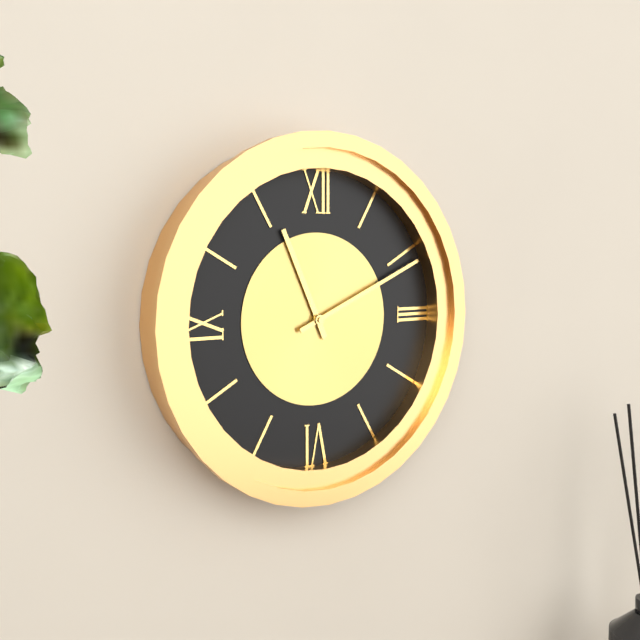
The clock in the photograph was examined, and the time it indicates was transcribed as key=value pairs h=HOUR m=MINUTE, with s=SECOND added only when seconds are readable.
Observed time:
h=11 m=11
